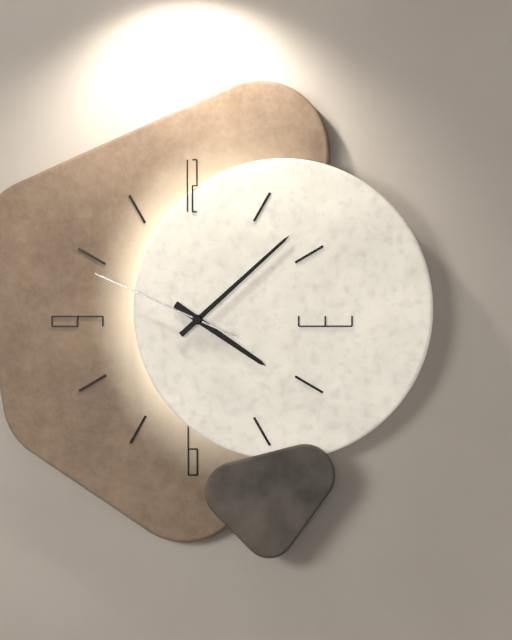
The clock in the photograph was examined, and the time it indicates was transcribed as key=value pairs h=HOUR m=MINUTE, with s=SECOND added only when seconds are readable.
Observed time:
h=4 m=8 s=49
